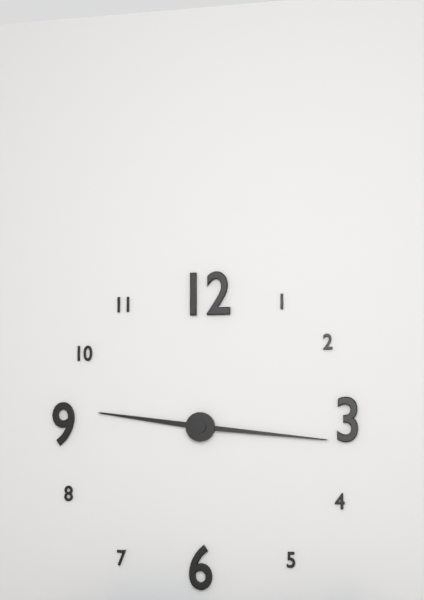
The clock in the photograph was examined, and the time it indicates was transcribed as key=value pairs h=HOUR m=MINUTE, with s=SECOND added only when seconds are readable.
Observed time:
h=9 m=16
